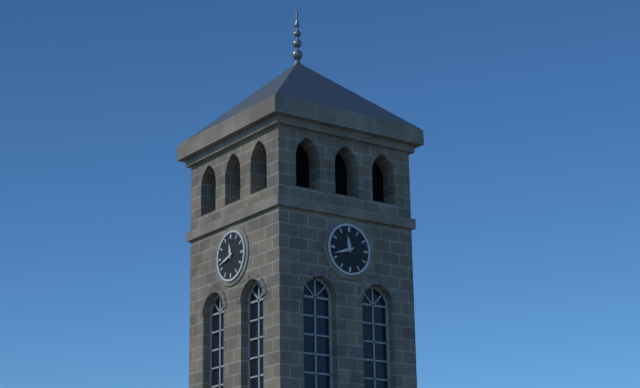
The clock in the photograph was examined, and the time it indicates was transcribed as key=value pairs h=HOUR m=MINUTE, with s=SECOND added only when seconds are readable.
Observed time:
h=11 m=42
